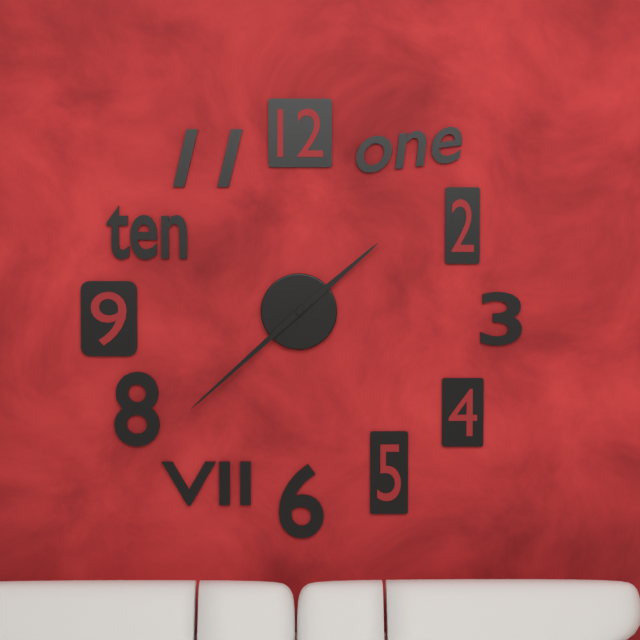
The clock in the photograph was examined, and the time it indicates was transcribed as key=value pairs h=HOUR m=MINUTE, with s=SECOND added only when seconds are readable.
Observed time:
h=1 m=38
